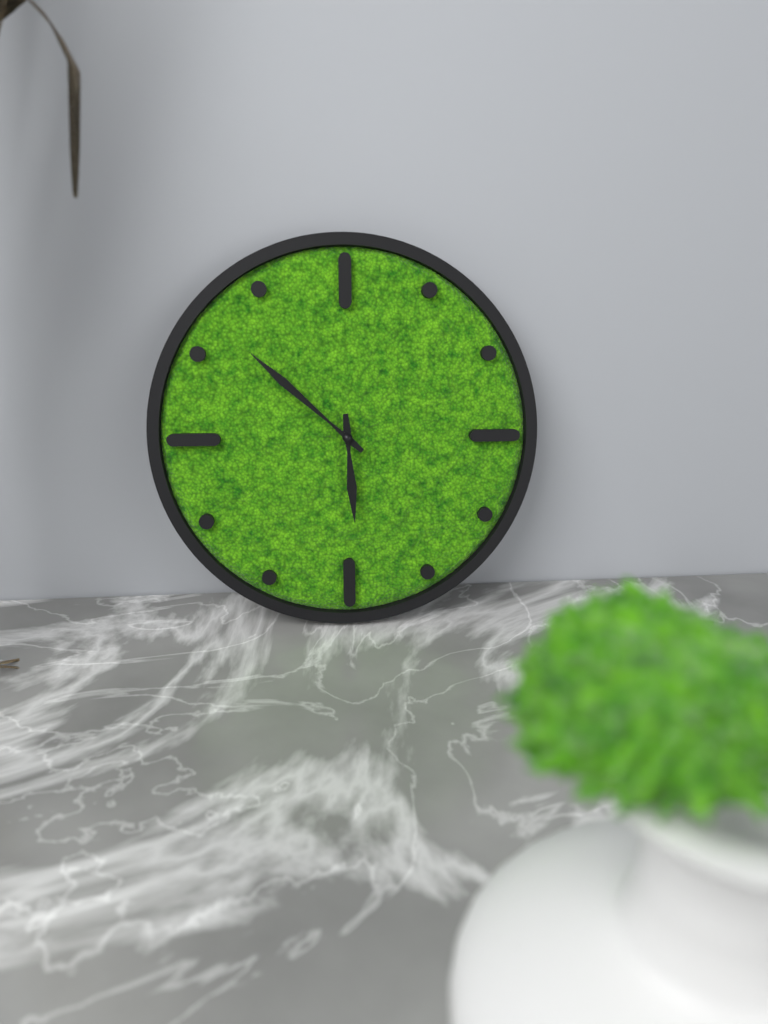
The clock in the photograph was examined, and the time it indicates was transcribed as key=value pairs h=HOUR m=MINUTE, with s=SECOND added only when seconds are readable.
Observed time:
h=5 m=52
